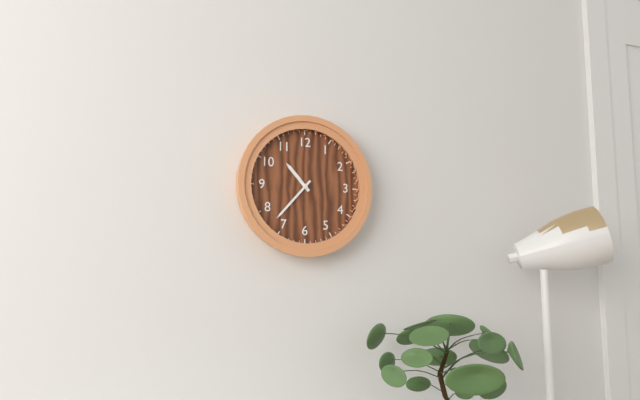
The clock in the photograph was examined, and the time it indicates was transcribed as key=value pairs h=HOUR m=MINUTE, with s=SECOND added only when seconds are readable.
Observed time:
h=10 m=37
